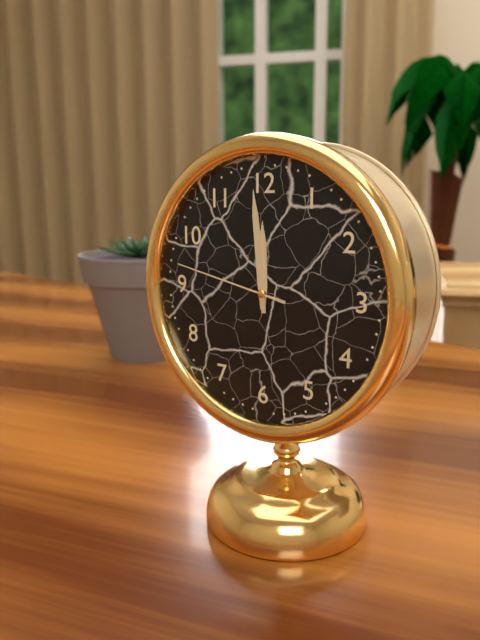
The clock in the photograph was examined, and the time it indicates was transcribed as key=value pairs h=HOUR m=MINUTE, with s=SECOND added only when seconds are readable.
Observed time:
h=11 m=59 s=47
